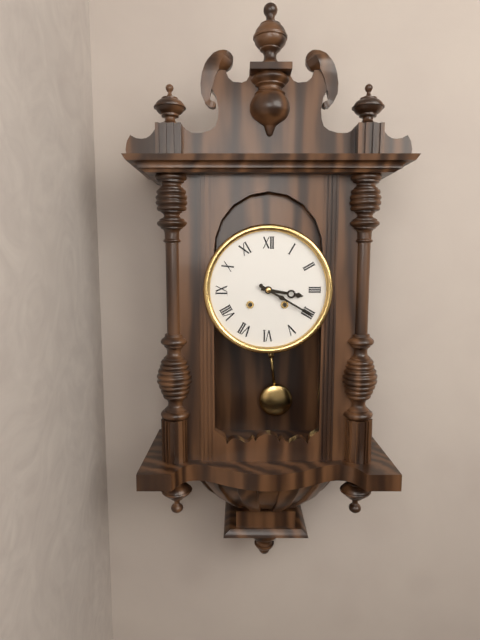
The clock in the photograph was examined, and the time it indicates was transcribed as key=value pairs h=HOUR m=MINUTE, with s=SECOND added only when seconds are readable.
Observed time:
h=3 m=20
